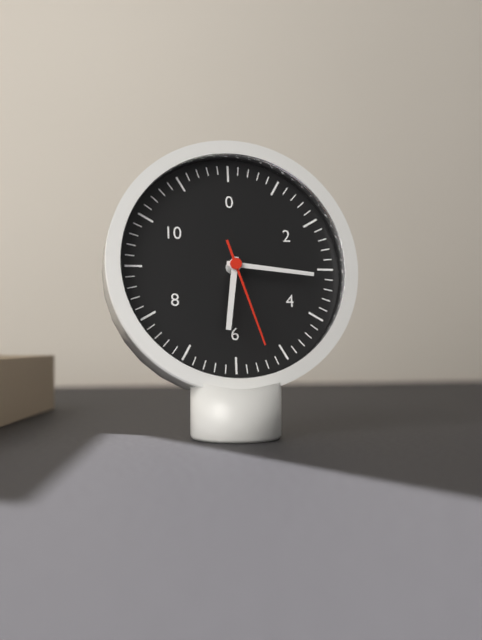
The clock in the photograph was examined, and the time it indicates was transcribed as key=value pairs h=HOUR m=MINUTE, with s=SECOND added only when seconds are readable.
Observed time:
h=6 m=16 s=27
